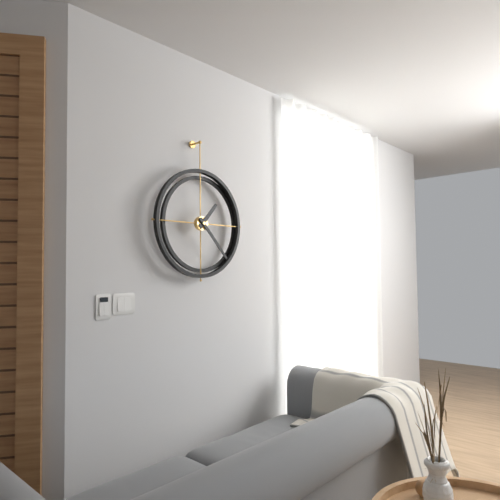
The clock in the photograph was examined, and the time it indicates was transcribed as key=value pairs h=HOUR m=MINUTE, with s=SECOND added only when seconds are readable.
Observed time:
h=1 m=23
